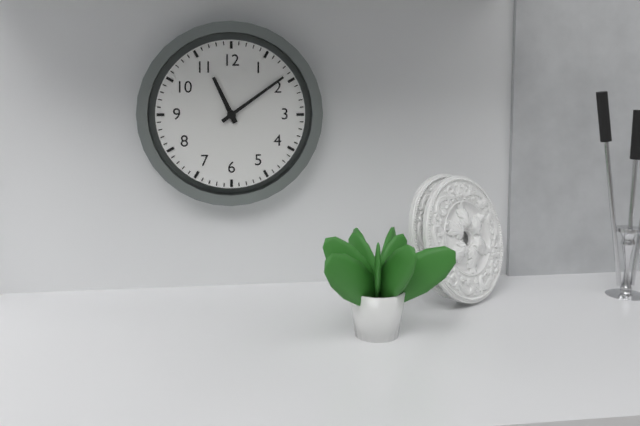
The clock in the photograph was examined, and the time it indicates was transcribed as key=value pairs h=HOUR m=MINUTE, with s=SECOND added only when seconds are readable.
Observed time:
h=11 m=9
